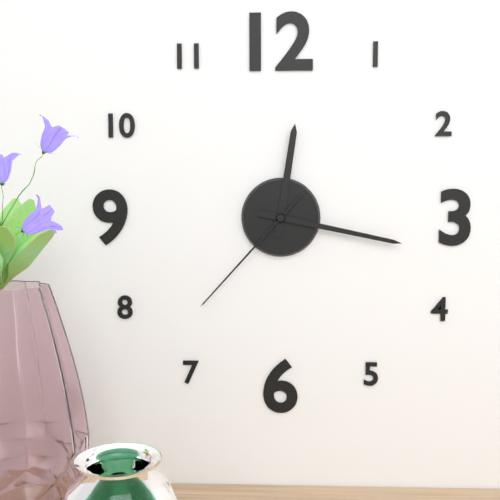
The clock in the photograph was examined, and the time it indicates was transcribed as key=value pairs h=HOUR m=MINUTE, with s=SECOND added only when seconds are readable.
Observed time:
h=12 m=17 s=37
